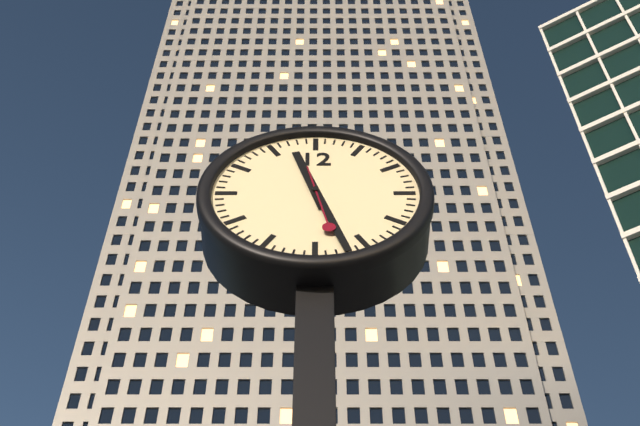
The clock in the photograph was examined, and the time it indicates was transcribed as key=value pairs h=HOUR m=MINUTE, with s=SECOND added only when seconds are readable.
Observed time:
h=11 m=27 s=28
